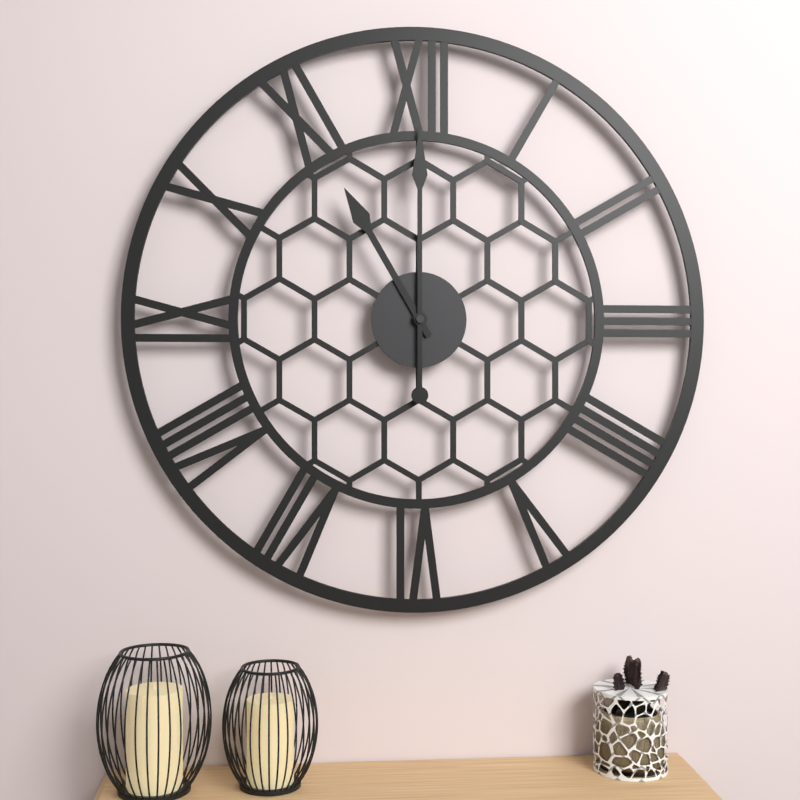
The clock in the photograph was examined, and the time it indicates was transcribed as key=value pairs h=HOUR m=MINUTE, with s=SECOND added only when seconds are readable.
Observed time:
h=11 m=0
